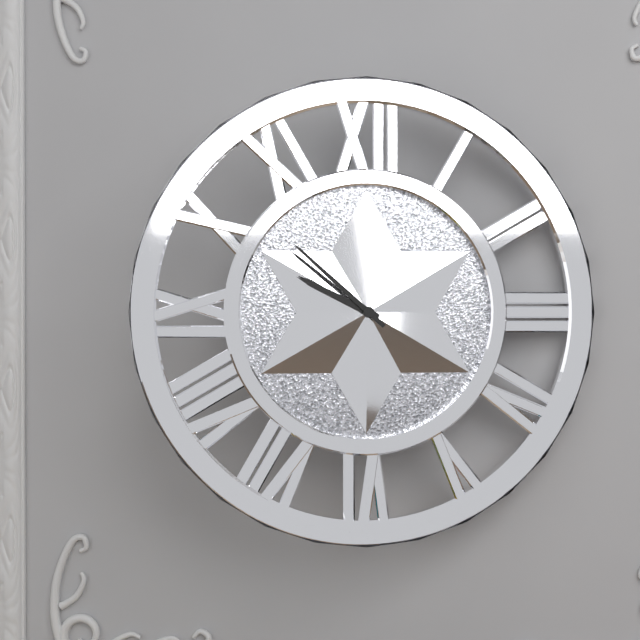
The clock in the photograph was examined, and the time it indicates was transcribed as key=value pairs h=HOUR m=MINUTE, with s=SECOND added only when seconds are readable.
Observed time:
h=9 m=52
